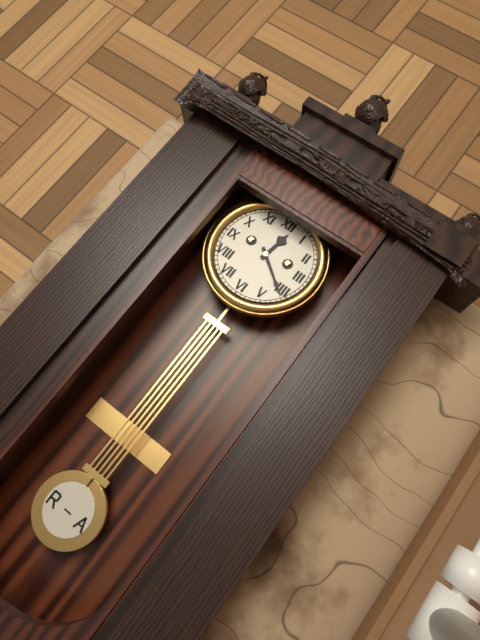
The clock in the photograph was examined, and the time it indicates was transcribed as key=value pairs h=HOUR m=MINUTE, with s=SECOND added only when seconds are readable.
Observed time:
h=12 m=21
